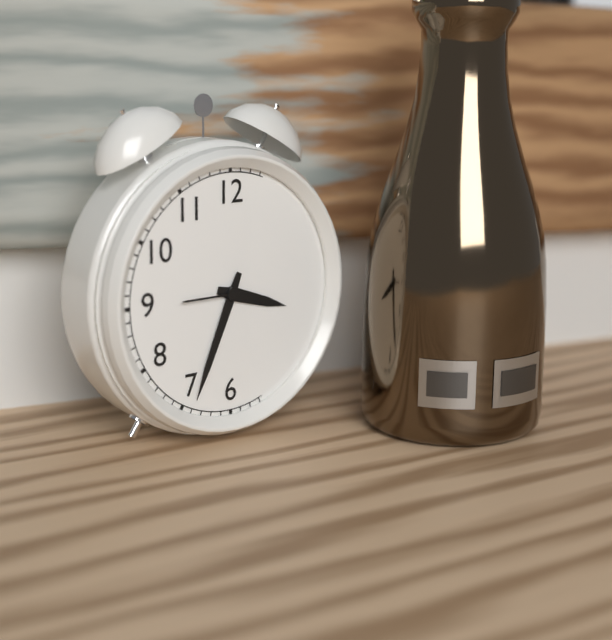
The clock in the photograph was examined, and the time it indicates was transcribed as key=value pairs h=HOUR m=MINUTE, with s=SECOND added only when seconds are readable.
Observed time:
h=3 m=34
